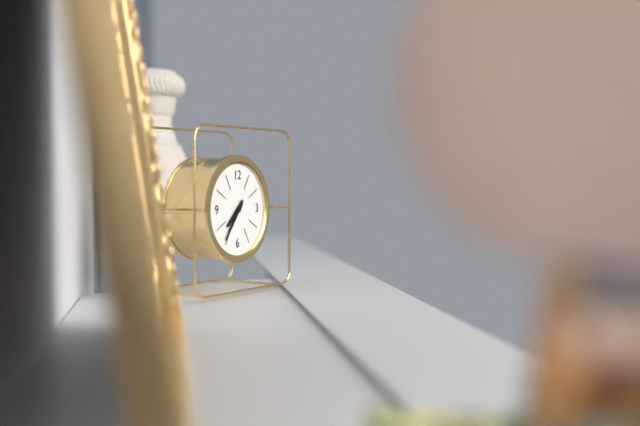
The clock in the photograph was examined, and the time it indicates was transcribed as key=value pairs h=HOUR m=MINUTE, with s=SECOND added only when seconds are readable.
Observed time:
h=7 m=36
